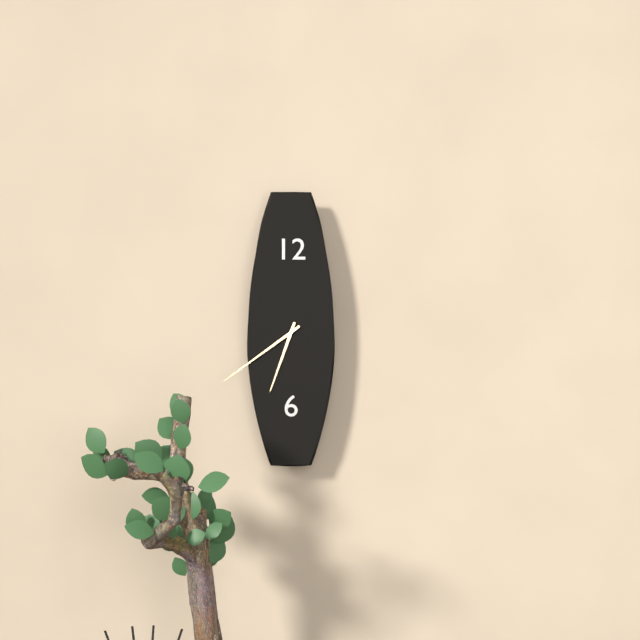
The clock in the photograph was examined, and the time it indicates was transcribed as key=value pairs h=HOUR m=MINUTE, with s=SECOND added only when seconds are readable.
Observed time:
h=6 m=39
